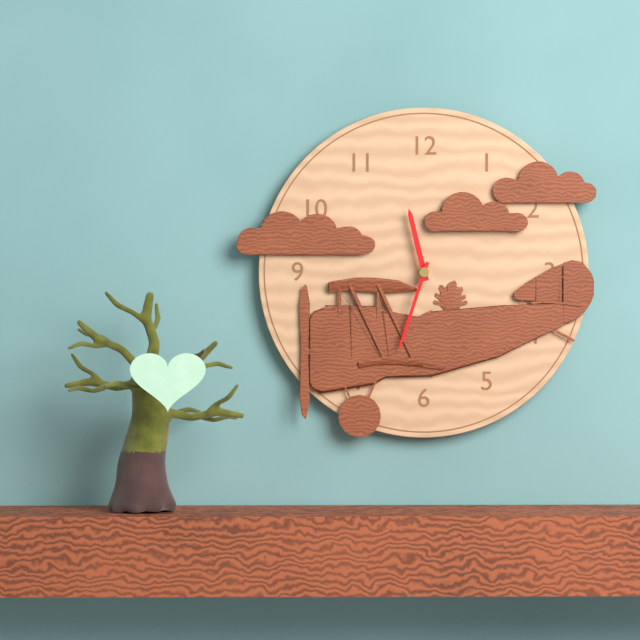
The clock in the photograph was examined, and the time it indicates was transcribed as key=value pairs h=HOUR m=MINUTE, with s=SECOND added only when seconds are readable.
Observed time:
h=11 m=33
